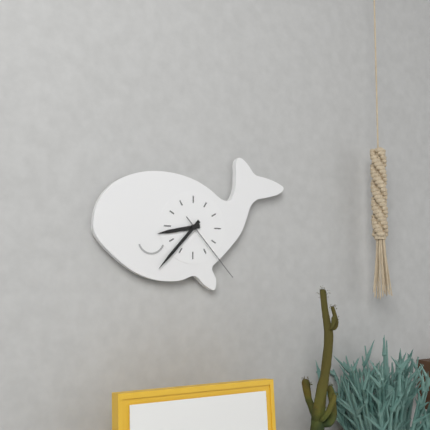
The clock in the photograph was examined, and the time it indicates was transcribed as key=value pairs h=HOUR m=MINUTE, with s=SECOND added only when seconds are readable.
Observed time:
h=8 m=37 s=23
